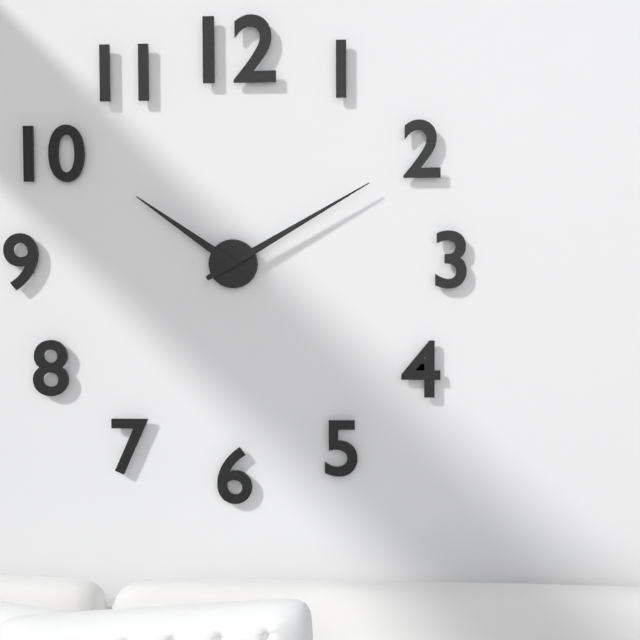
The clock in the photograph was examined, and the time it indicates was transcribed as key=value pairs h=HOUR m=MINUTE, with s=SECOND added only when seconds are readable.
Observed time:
h=10 m=10
